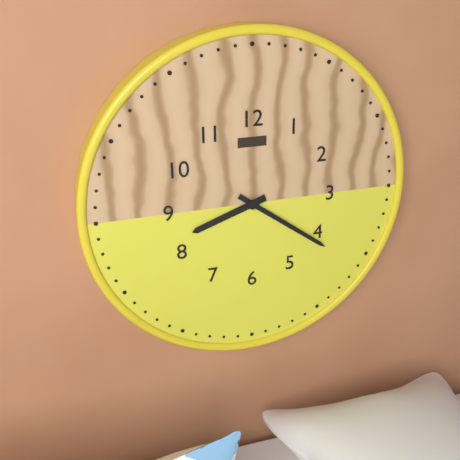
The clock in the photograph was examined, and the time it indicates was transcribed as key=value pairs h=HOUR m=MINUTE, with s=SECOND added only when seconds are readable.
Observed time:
h=8 m=21
